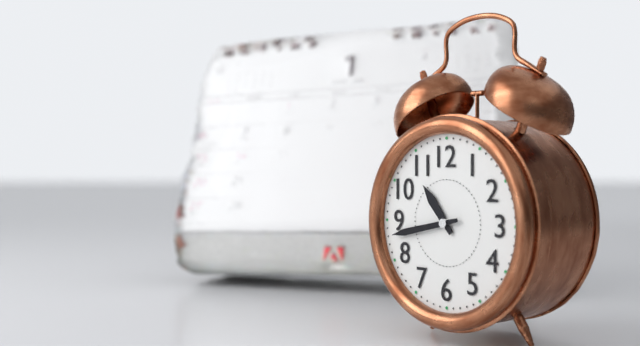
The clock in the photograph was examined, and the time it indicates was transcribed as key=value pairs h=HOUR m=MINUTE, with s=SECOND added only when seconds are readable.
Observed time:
h=10 m=43
